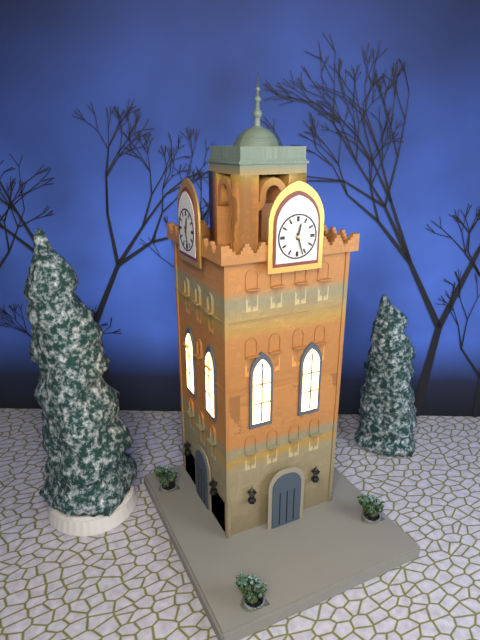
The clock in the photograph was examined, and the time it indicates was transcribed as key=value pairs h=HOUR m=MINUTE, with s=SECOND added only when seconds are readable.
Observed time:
h=12 m=27
